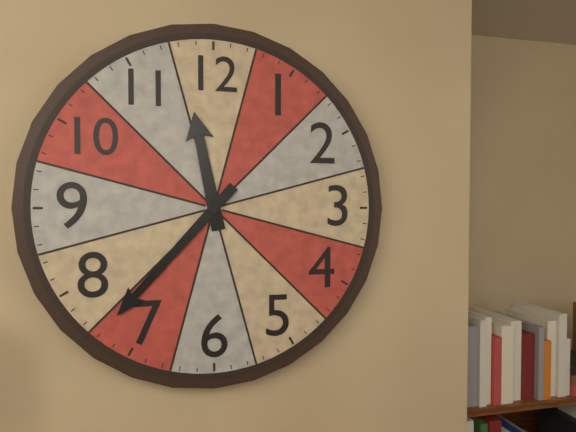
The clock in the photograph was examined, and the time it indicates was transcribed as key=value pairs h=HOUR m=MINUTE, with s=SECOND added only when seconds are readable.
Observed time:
h=11 m=37
